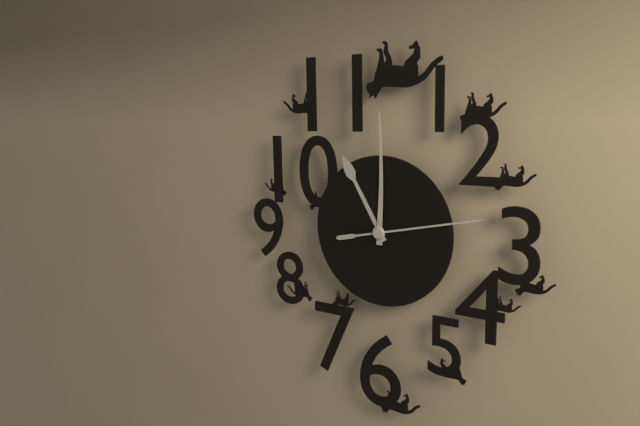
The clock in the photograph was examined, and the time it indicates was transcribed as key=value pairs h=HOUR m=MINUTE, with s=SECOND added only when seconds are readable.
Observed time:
h=11 m=0 s=13
